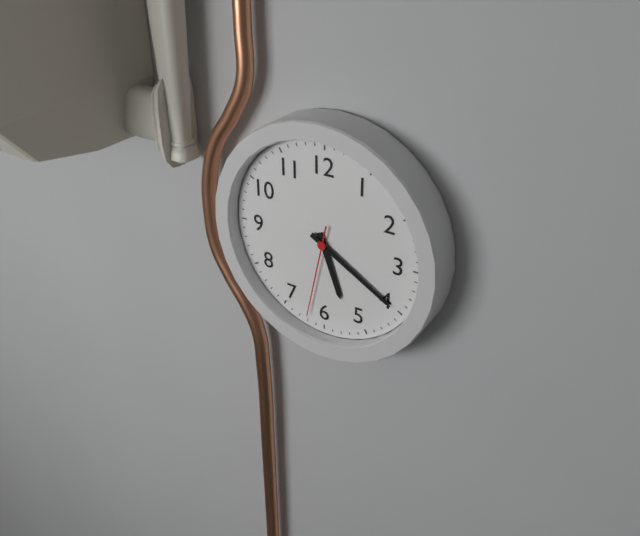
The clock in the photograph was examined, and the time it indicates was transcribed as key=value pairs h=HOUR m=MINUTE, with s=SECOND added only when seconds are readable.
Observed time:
h=5 m=20 s=32
